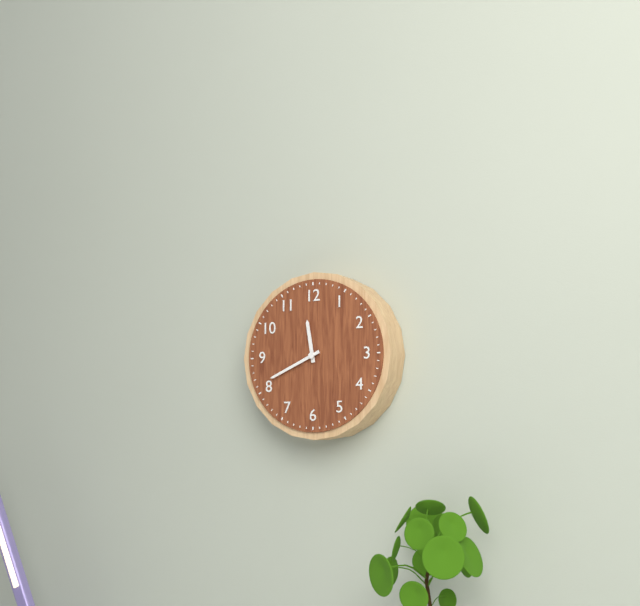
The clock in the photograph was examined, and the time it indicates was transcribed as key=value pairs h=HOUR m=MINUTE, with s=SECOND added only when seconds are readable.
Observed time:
h=11 m=41
